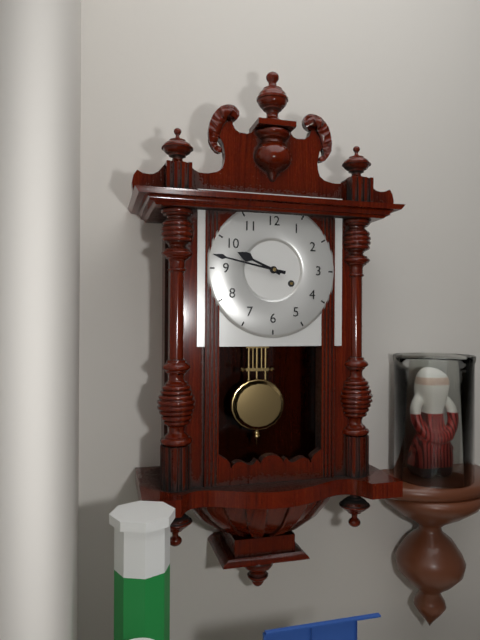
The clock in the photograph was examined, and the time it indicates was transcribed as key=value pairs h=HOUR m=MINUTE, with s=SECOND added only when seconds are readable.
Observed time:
h=9 m=47
